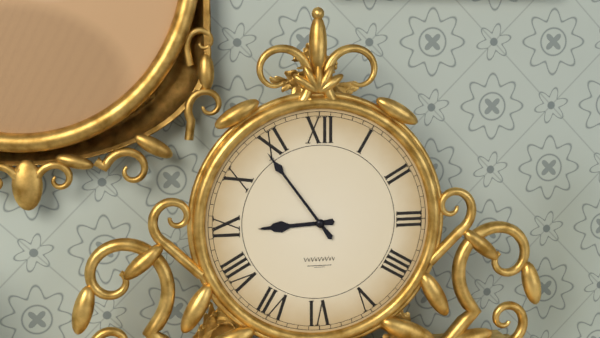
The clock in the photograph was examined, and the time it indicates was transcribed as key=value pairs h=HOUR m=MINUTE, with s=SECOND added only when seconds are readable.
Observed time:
h=8 m=54
